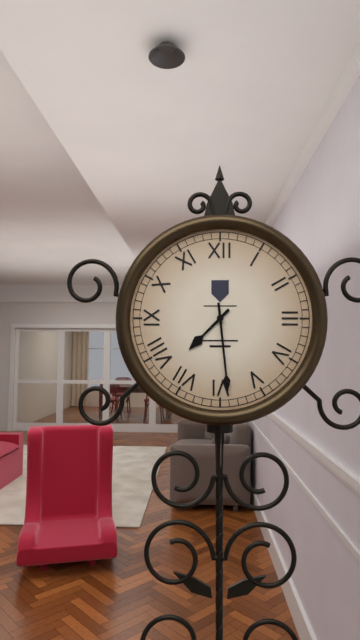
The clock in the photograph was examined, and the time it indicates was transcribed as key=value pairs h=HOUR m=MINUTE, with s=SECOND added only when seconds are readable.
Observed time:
h=7 m=29
